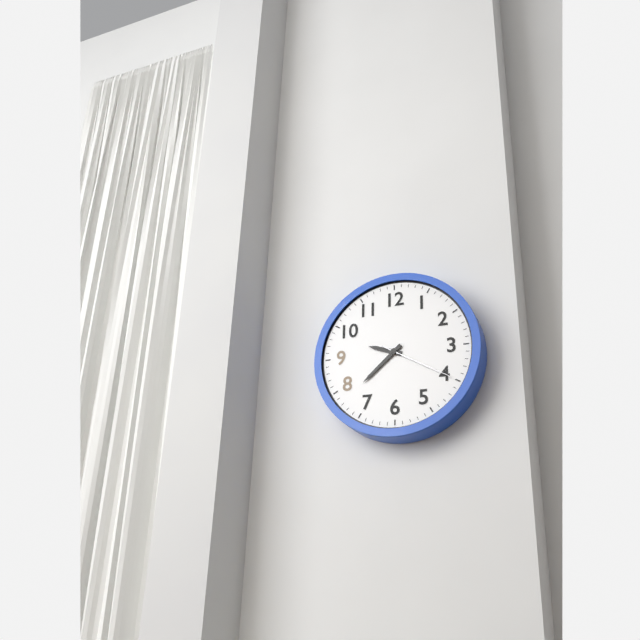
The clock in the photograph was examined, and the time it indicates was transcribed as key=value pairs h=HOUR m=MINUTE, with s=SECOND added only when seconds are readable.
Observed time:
h=9 m=38 s=20
